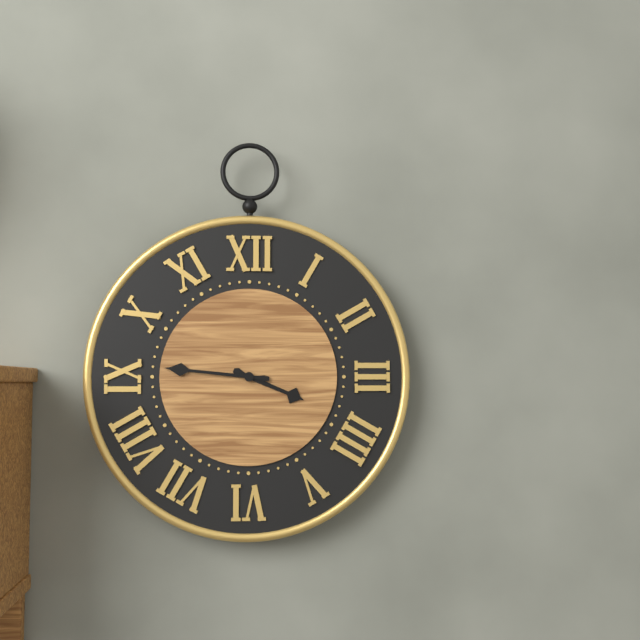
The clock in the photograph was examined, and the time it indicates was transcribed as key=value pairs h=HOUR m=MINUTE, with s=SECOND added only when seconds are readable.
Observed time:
h=3 m=46
